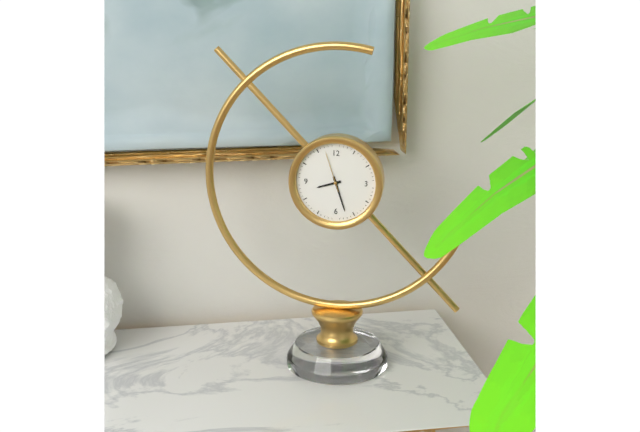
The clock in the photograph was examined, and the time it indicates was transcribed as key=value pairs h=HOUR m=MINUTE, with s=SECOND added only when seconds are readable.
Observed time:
h=8 m=27
